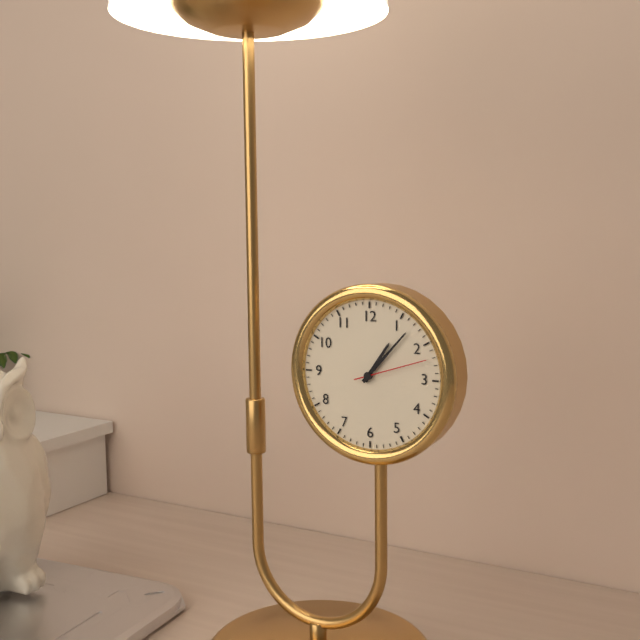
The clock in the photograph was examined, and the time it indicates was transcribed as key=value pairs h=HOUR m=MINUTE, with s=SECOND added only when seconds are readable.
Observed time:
h=1 m=7 s=12
